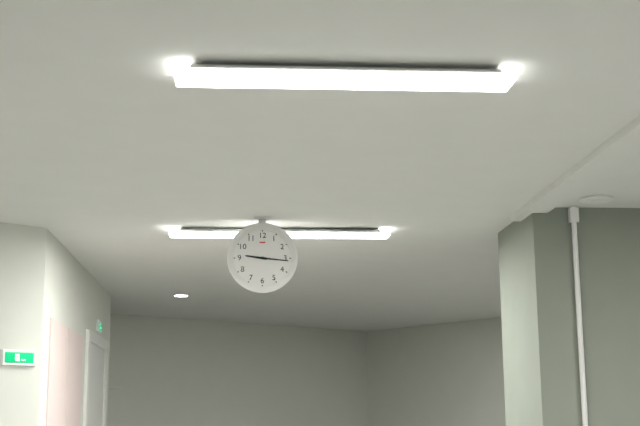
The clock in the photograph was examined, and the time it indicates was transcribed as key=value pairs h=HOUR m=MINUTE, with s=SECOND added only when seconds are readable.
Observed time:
h=9 m=16
